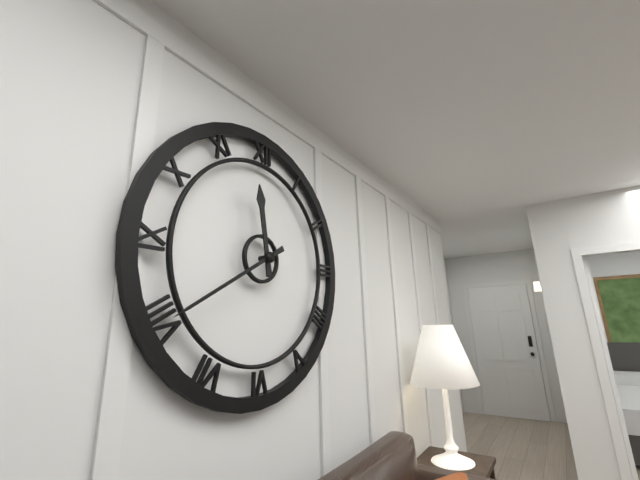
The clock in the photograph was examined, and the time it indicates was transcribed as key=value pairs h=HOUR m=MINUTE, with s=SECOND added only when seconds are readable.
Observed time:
h=11 m=40
